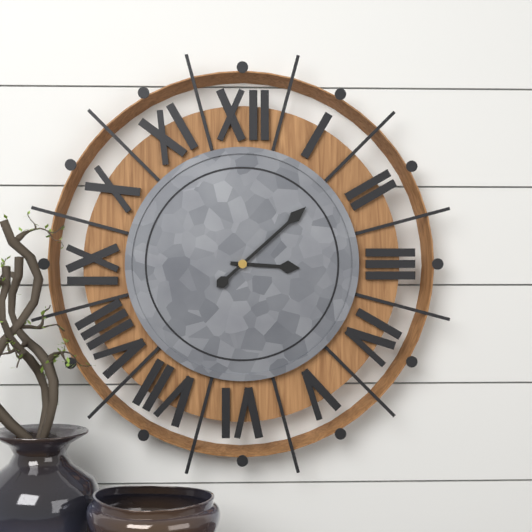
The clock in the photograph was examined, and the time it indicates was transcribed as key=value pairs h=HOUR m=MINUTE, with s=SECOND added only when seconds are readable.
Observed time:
h=3 m=8
